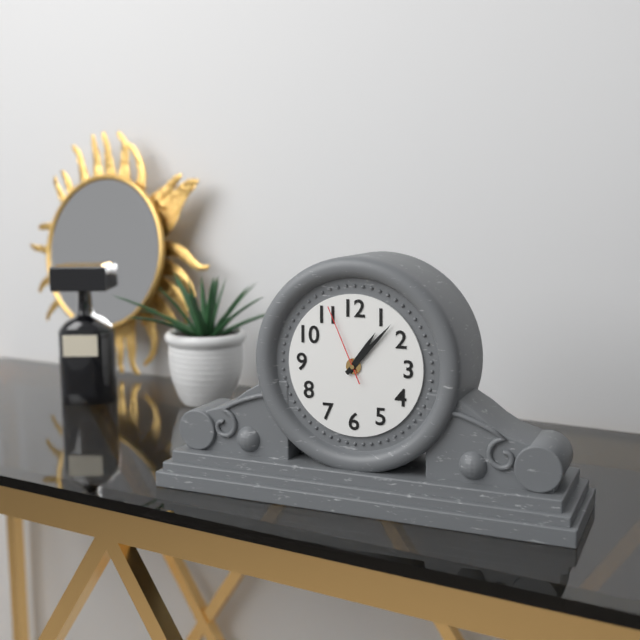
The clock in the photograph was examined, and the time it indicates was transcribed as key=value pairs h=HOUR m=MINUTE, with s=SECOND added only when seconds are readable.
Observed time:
h=1 m=7 s=56
